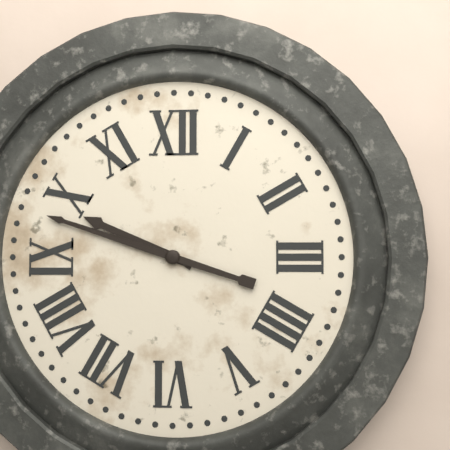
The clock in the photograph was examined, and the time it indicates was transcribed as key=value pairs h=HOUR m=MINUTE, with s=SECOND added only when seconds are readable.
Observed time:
h=9 m=48
